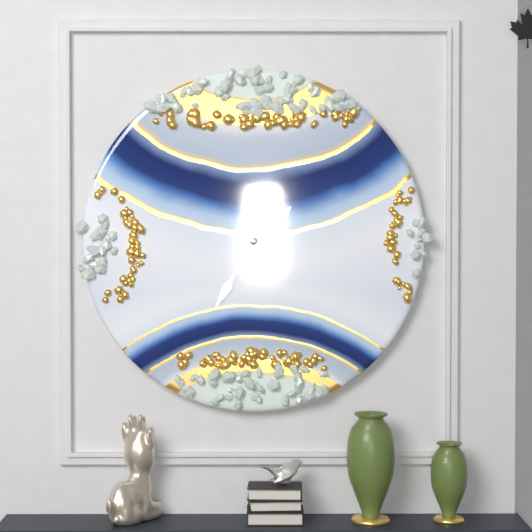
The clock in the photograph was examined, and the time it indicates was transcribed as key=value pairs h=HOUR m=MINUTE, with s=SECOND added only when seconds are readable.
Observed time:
h=1 m=35
